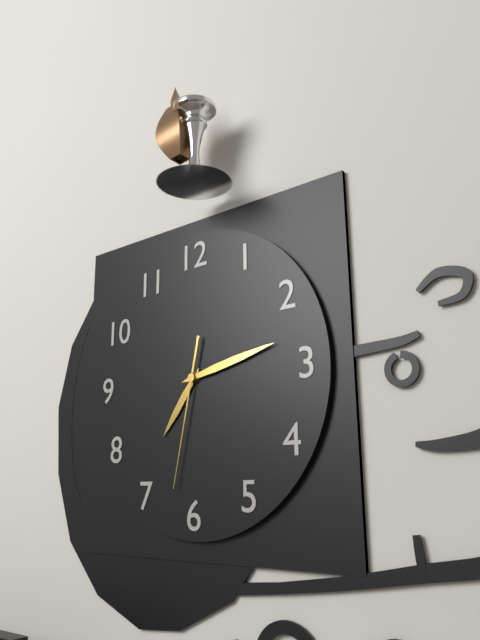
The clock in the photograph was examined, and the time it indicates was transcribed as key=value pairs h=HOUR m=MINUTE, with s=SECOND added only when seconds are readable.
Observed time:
h=7 m=13 s=32
